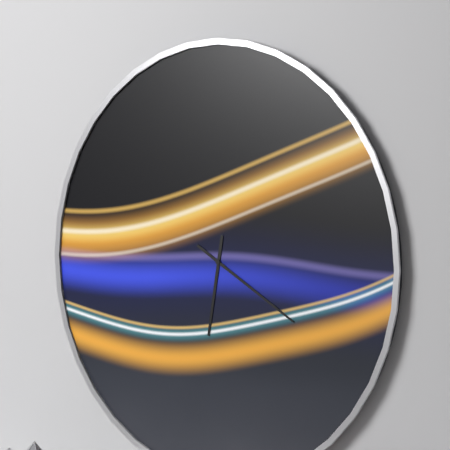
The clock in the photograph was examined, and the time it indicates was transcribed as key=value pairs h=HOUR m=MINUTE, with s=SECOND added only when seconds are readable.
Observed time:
h=6 m=20
